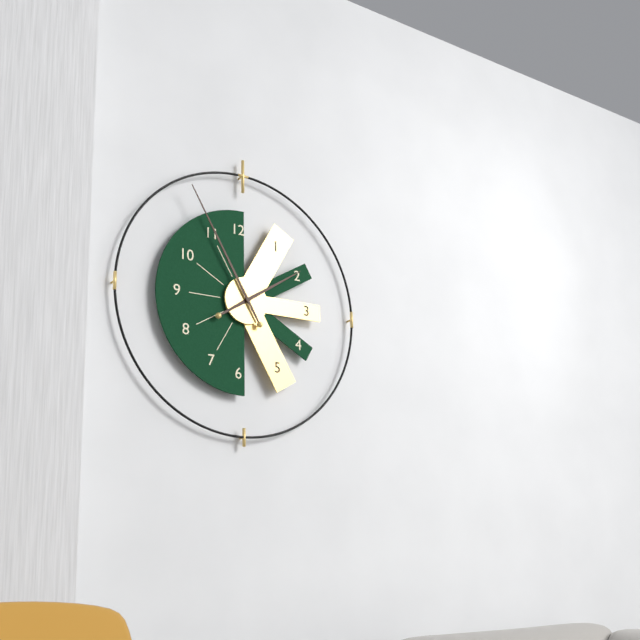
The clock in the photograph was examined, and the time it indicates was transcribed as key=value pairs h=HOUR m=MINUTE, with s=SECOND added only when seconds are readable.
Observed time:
h=1 m=55
